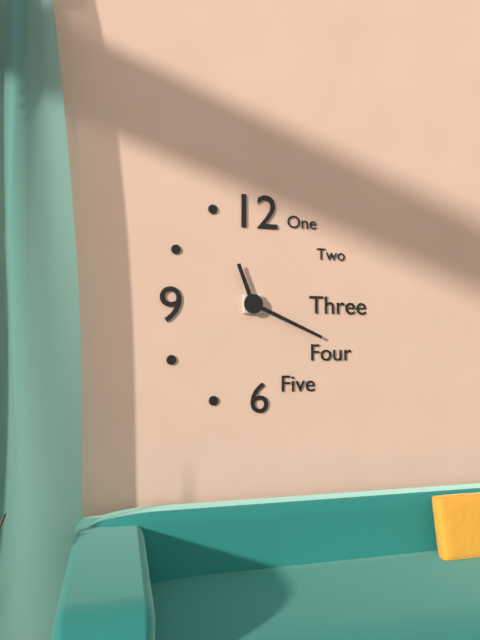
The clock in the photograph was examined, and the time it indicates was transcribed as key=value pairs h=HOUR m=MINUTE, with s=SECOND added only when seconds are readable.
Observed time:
h=11 m=19
